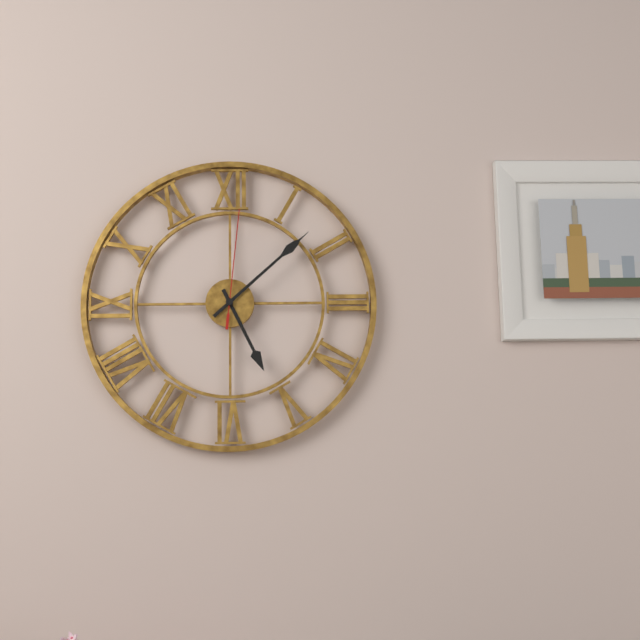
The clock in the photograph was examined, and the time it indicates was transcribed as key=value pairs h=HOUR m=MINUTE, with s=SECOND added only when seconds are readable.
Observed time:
h=5 m=8 s=1
